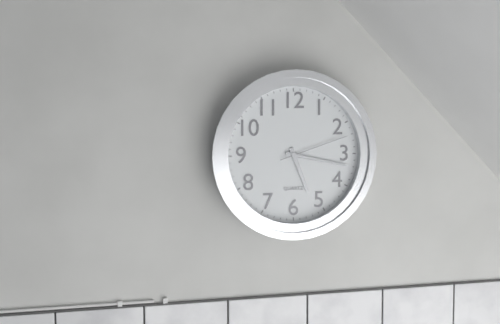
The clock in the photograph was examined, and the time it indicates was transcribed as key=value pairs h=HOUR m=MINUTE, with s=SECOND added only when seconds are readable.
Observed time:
h=5 m=17 s=12
